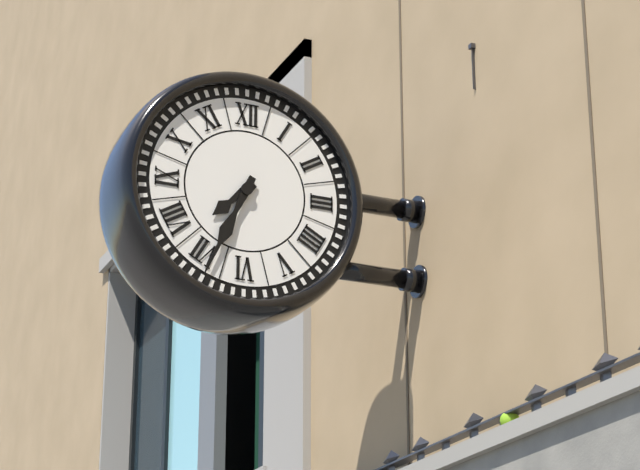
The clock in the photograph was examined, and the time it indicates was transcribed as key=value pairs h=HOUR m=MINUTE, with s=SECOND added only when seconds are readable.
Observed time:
h=7 m=34
